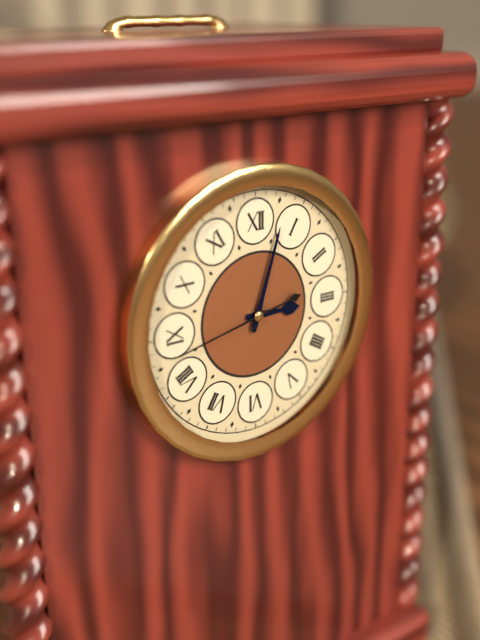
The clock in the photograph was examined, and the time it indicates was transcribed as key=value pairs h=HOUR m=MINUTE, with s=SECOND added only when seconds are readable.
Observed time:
h=3 m=3 s=43
